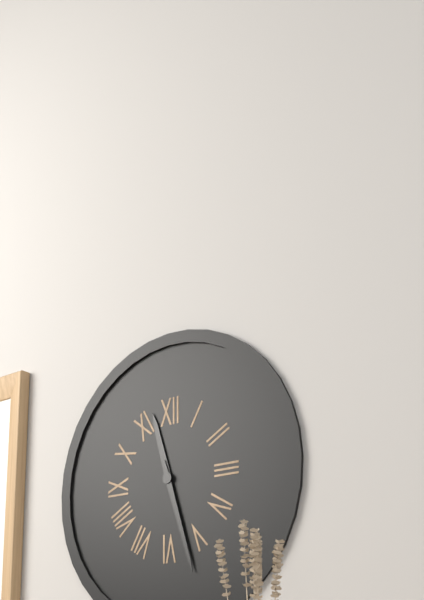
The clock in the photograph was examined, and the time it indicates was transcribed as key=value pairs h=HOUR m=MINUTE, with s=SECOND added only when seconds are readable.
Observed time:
h=11 m=27
